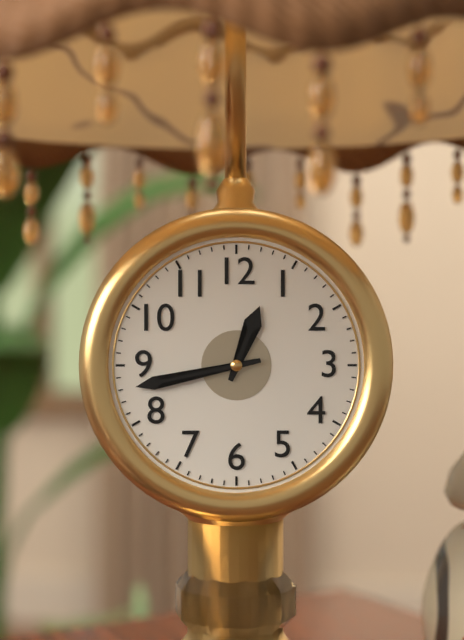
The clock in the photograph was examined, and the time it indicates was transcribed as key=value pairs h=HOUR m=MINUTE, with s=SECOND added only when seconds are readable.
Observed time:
h=12 m=43
